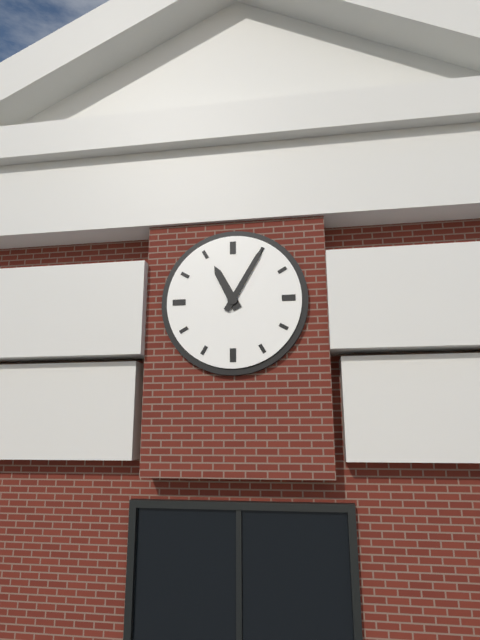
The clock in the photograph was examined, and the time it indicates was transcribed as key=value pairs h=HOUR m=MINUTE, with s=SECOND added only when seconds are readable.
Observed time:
h=11 m=5
